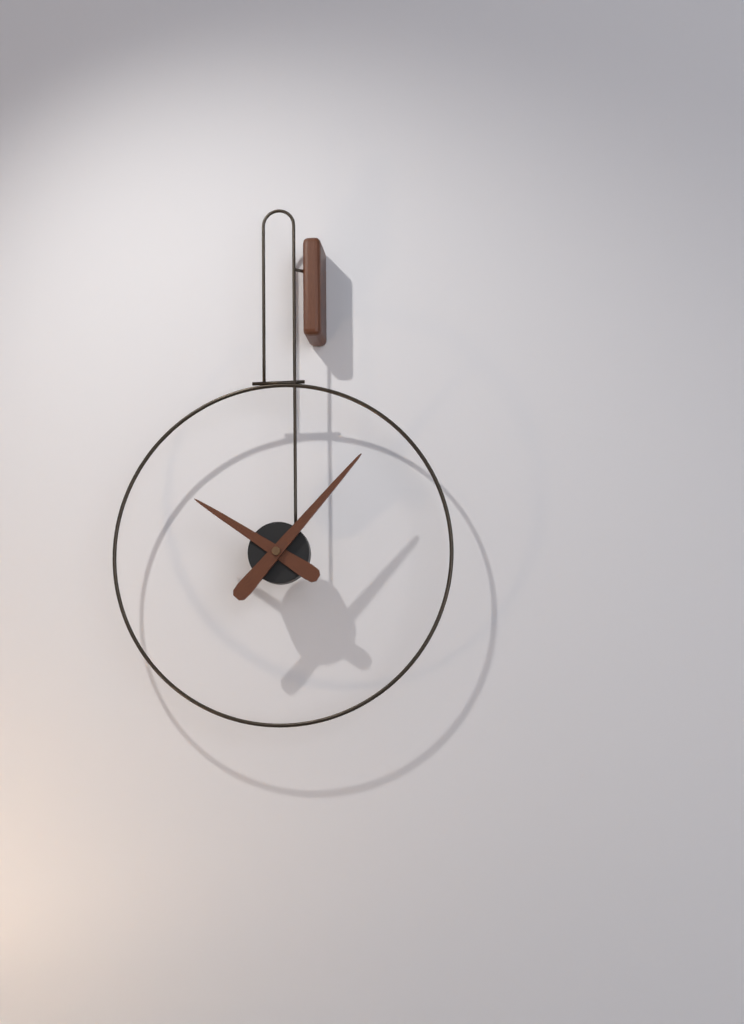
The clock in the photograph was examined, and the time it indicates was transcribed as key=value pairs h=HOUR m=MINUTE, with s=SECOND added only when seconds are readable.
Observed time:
h=10 m=7
